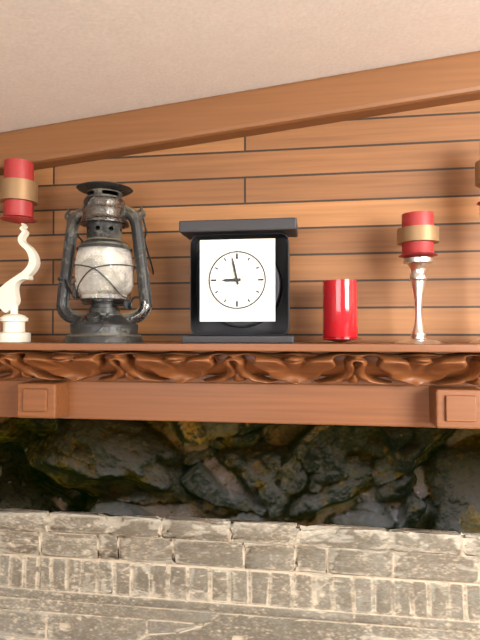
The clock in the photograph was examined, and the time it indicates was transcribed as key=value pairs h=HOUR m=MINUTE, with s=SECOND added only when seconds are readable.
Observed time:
h=8 m=58
